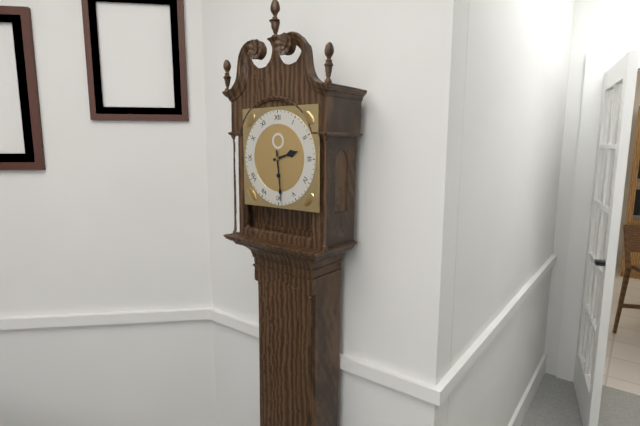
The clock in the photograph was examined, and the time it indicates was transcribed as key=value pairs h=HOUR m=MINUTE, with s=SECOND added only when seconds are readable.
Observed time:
h=2 m=29
